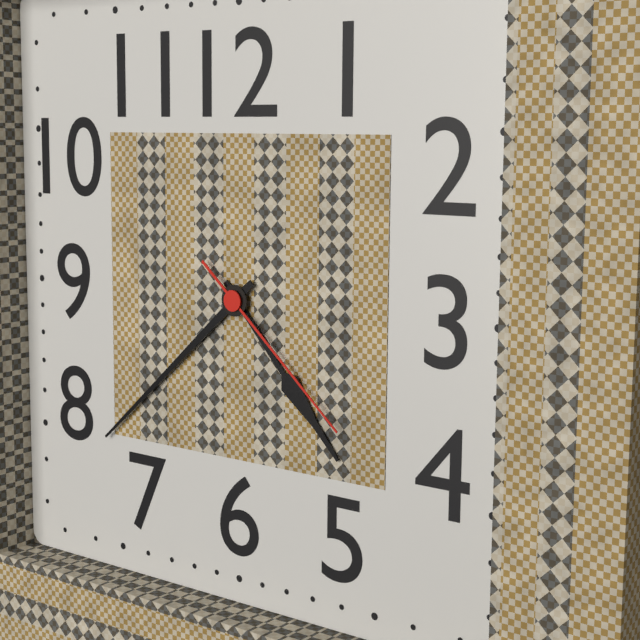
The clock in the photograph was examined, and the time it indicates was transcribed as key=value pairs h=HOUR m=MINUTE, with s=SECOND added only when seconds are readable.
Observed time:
h=4 m=38 s=22
